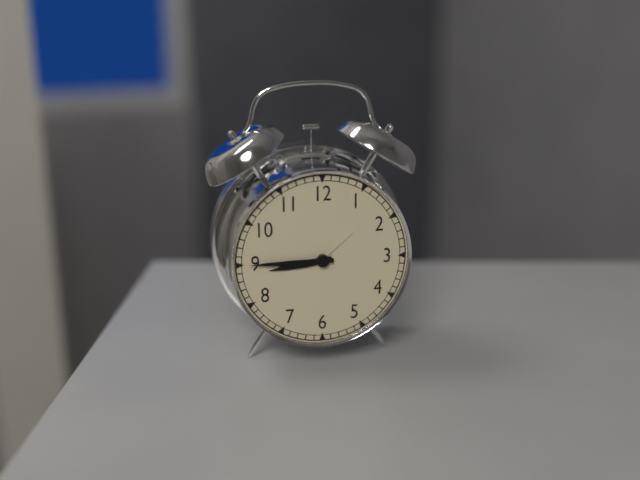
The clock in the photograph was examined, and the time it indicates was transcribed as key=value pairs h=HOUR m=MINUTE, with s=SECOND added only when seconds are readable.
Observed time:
h=8 m=45
